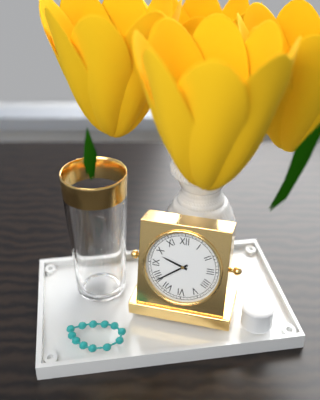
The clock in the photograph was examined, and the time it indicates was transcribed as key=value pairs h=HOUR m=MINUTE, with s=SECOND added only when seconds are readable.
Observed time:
h=9 m=39
